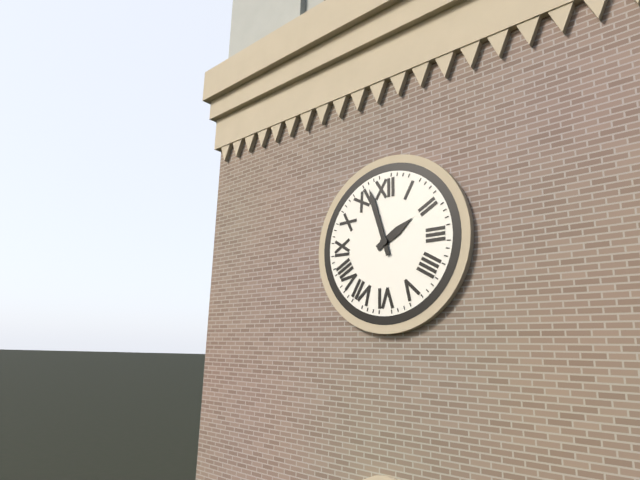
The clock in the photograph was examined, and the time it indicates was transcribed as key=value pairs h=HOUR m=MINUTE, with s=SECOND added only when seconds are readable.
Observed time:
h=1 m=57
